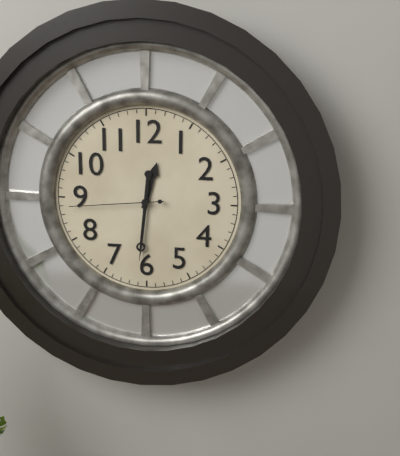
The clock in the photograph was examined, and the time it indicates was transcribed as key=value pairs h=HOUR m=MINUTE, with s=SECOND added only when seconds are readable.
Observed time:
h=12 m=31 s=44
